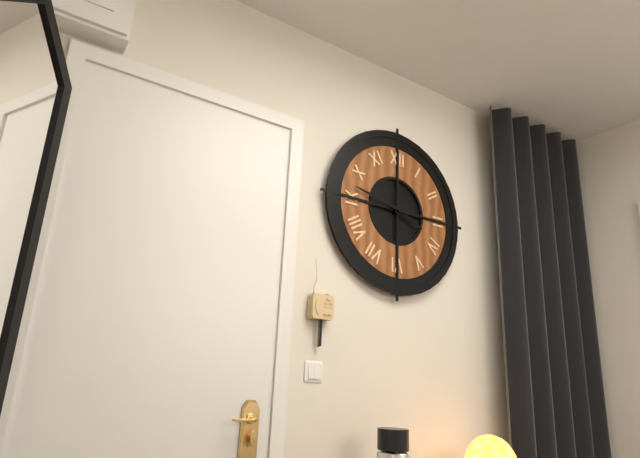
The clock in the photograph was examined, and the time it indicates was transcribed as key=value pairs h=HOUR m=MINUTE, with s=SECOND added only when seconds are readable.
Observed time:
h=3 m=47
